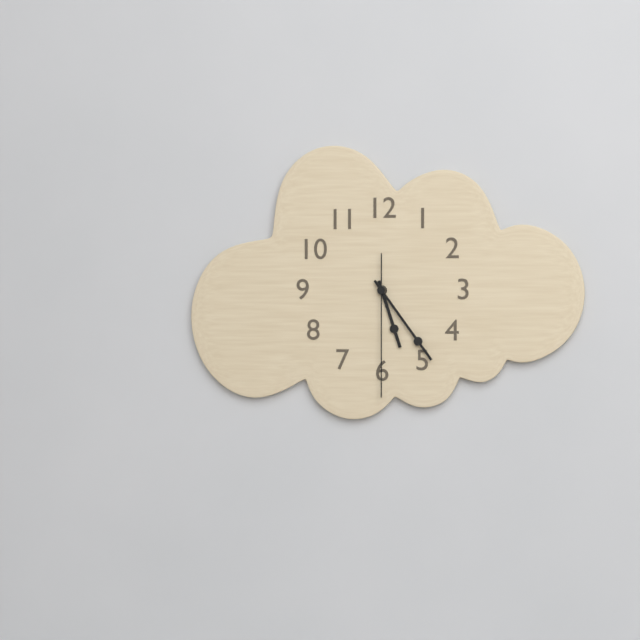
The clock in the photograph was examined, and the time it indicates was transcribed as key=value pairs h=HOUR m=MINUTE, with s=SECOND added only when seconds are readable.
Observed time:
h=5 m=24 s=30
